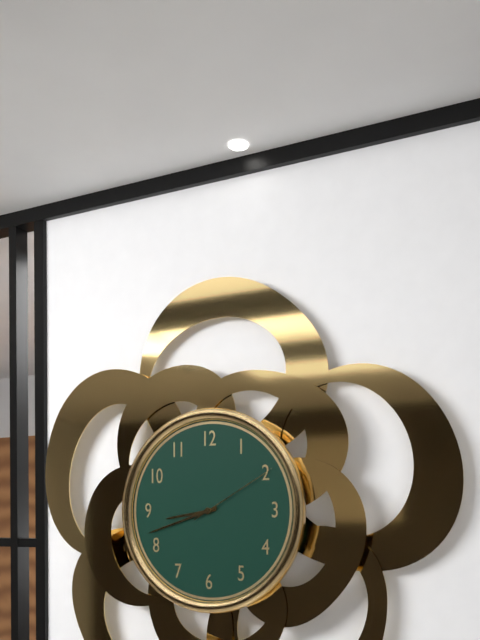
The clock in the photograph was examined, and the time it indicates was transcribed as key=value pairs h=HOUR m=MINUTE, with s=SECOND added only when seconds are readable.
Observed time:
h=8 m=42 s=10
